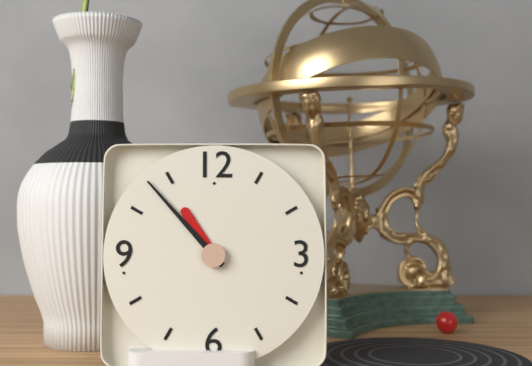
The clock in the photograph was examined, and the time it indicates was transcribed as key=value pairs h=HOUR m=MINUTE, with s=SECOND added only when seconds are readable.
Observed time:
h=10 m=53
